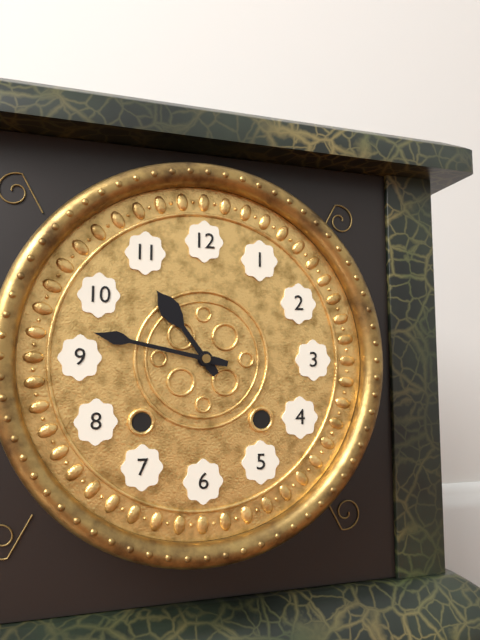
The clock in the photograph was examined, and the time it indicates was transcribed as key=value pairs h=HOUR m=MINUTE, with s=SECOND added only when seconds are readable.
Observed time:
h=10 m=47
